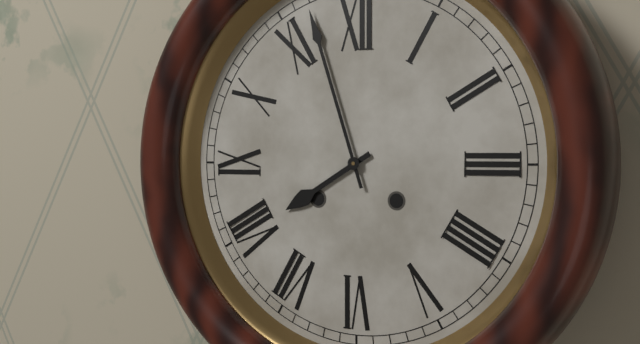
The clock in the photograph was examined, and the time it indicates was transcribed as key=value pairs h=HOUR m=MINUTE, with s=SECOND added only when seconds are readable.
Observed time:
h=7 m=57
